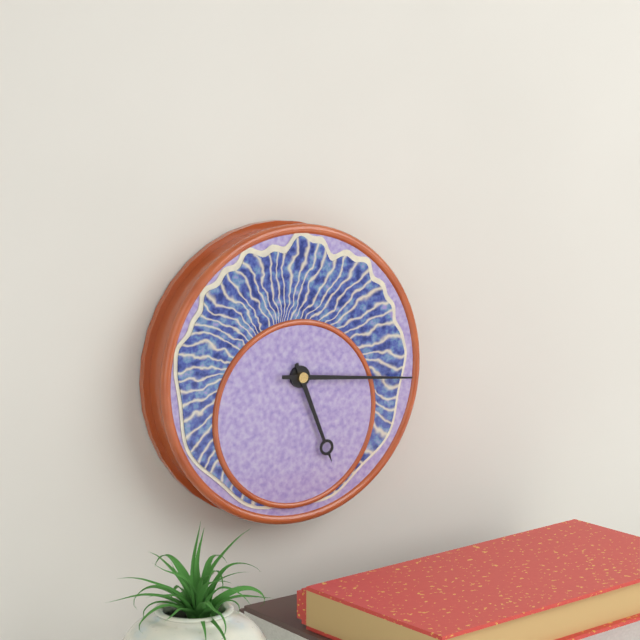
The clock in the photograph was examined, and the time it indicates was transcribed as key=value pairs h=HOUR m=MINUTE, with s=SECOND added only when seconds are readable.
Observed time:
h=5 m=16
